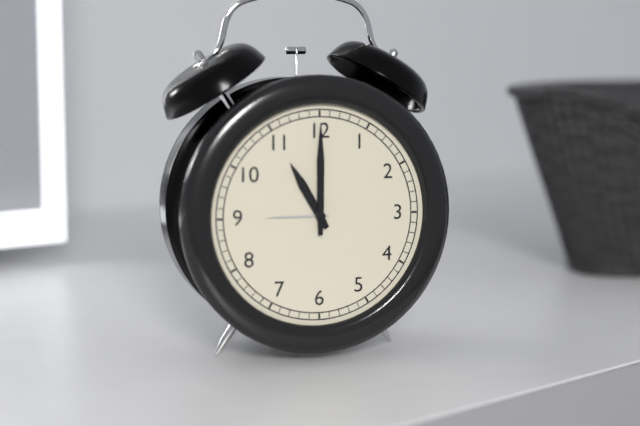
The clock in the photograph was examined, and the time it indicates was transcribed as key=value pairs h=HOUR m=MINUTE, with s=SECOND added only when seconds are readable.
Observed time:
h=11 m=0
